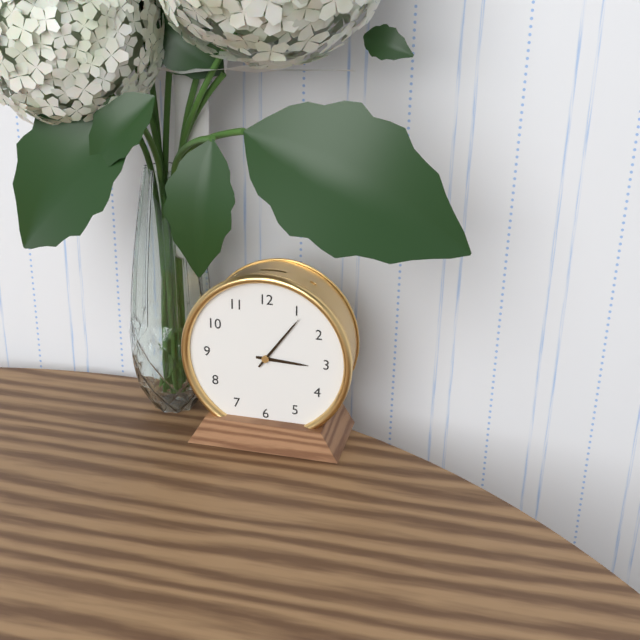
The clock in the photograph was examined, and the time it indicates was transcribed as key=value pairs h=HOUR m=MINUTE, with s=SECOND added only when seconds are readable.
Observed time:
h=3 m=6
